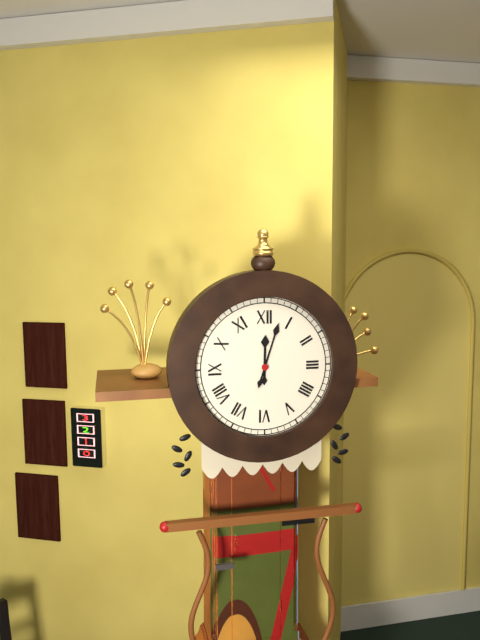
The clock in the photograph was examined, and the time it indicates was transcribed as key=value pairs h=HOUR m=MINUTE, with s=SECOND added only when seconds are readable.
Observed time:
h=12 m=3
